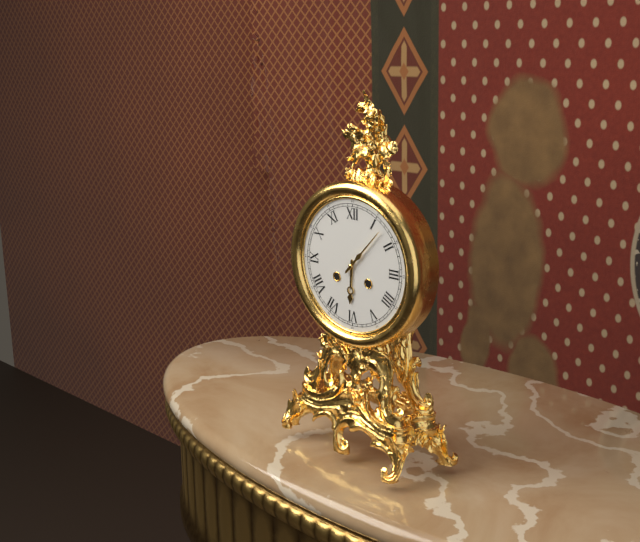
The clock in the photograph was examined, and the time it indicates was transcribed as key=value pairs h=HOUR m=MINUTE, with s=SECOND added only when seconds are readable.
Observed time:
h=6 m=7
